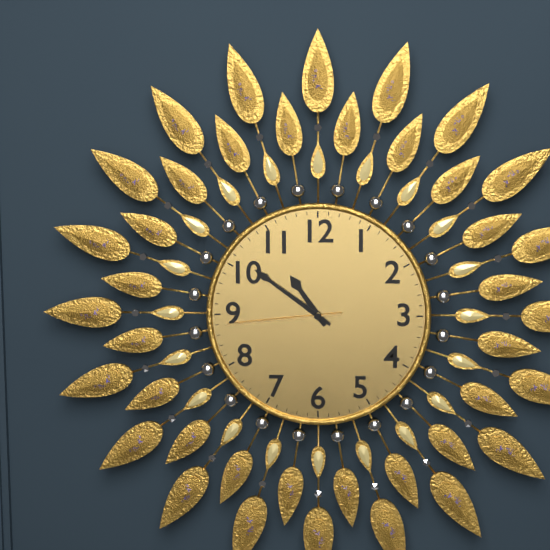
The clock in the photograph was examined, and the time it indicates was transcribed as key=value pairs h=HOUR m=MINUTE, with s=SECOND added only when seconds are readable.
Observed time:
h=10 m=51 s=44
